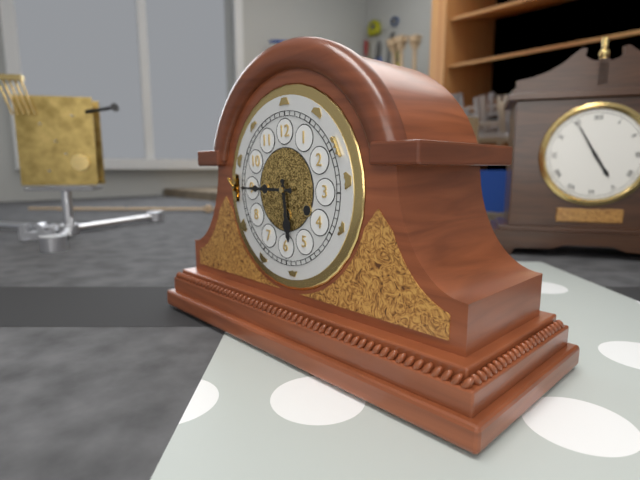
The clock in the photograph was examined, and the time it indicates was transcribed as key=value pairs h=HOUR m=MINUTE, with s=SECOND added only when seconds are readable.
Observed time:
h=5 m=45
